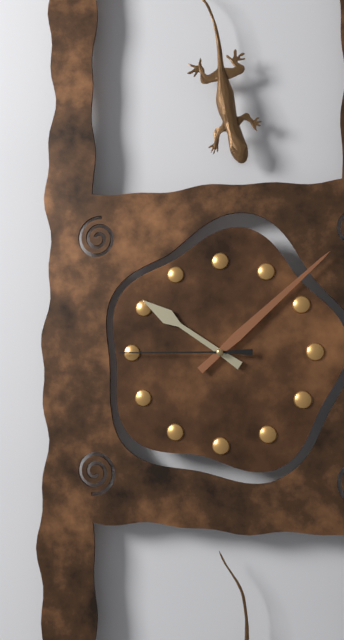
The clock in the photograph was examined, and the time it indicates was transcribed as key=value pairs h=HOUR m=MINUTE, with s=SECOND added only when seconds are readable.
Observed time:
h=10 m=8 s=45
